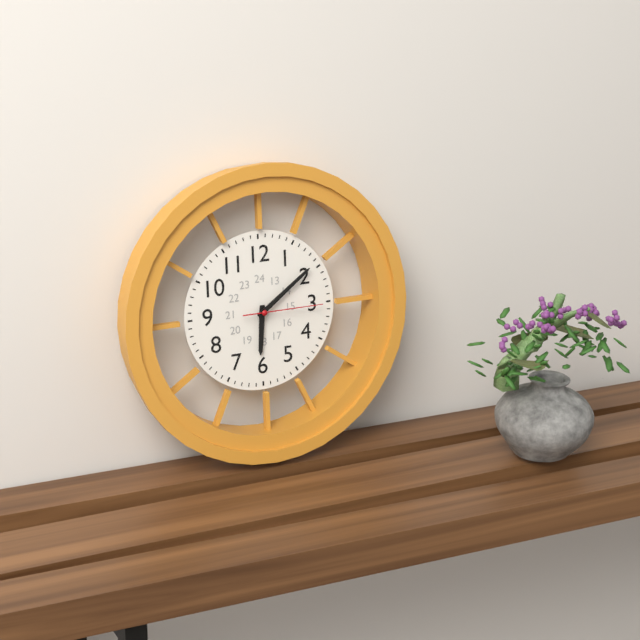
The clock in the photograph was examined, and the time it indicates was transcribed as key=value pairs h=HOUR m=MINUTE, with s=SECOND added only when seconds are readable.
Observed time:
h=6 m=9 s=15
